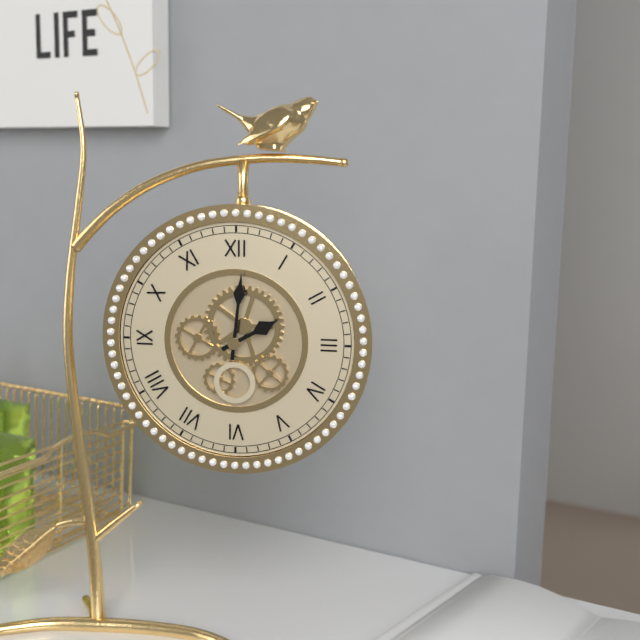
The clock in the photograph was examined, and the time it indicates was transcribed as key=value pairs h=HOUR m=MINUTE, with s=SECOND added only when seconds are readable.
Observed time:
h=2 m=1
